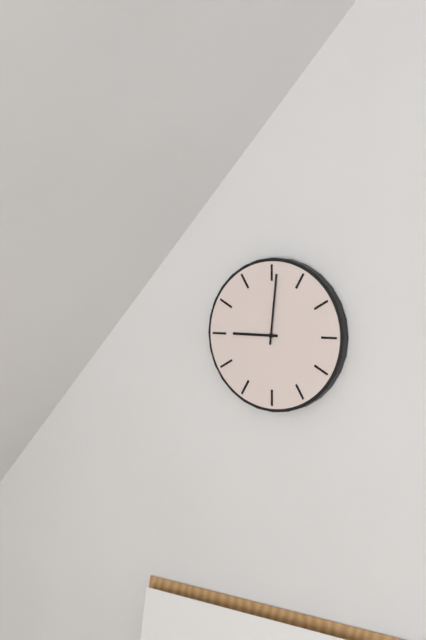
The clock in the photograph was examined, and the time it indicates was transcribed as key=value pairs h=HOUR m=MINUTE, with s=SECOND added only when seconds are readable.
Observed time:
h=9 m=1
